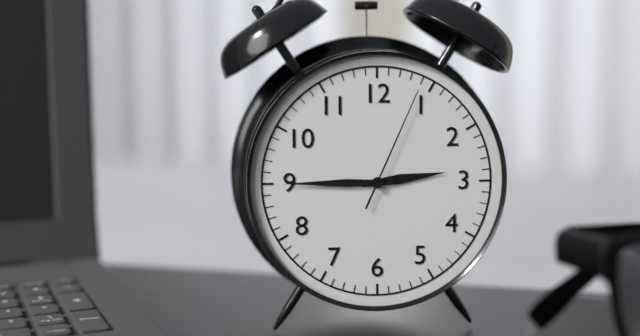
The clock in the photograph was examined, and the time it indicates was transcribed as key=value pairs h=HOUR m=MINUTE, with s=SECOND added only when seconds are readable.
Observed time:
h=2 m=45 s=4
